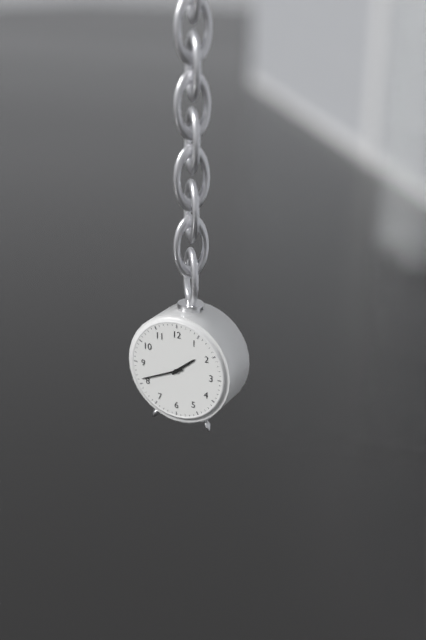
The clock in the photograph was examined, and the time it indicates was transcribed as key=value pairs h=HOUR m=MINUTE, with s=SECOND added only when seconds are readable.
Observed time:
h=1 m=41
